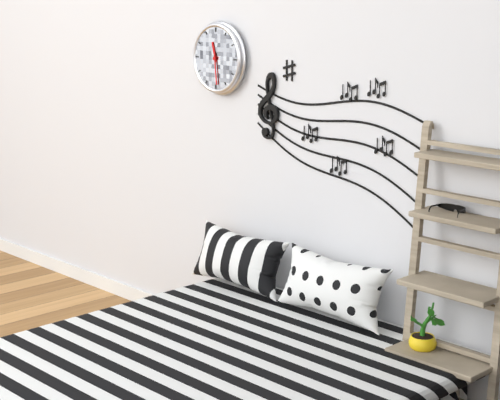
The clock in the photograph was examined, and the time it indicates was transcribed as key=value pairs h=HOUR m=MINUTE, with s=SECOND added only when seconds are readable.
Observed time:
h=11 m=29
